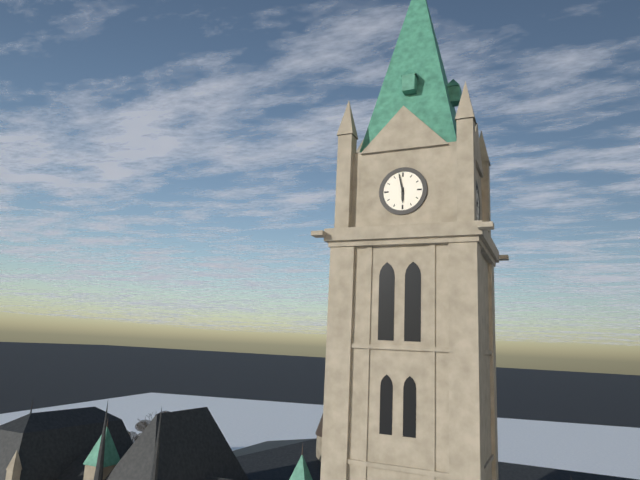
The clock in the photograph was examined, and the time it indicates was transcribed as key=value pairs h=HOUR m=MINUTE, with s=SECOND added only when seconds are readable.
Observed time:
h=5 m=58
